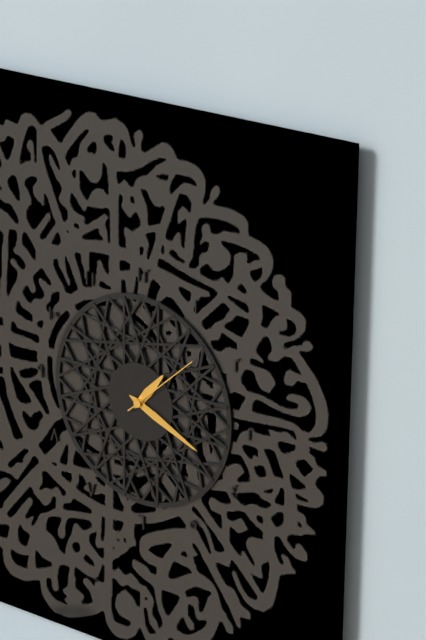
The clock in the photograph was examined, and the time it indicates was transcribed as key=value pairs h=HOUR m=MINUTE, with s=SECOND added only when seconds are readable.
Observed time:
h=1 m=19 s=8
